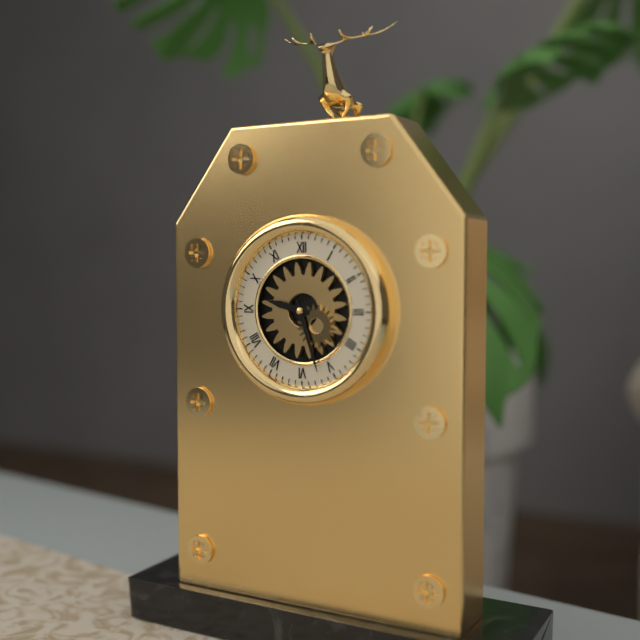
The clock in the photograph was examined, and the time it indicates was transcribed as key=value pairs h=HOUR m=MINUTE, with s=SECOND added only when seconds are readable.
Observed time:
h=9 m=27
